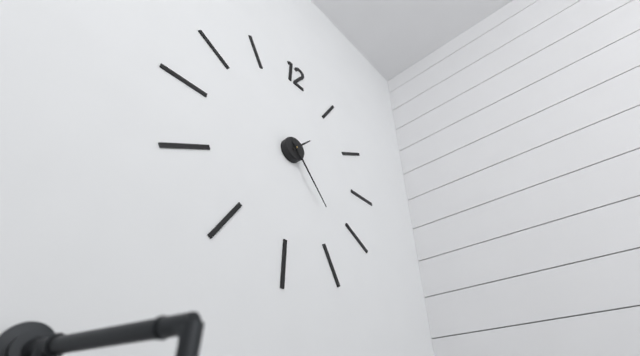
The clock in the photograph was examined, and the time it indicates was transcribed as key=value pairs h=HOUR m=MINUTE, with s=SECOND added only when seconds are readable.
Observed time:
h=1 m=23
